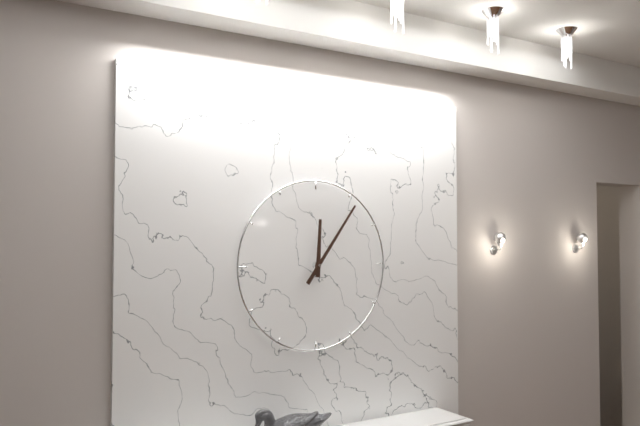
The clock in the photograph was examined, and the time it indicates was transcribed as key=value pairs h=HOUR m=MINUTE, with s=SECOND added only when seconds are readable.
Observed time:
h=12 m=6
